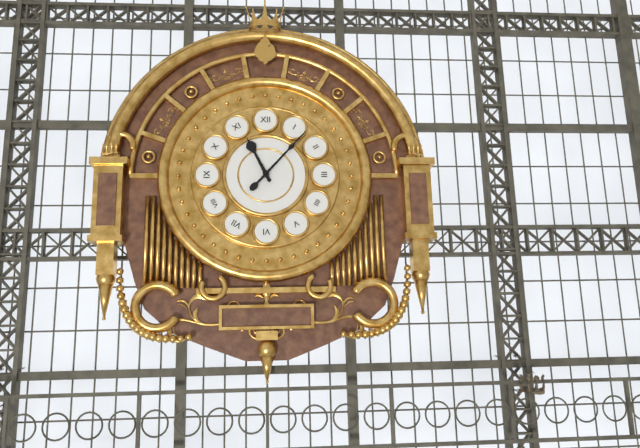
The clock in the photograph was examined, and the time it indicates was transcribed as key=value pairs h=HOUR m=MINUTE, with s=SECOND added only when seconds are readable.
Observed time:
h=11 m=7
